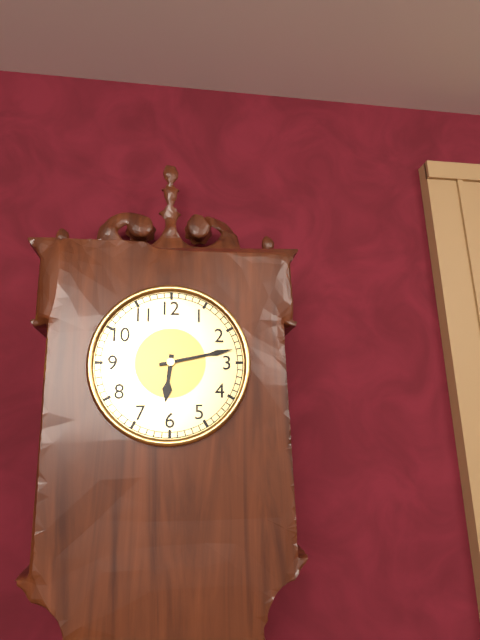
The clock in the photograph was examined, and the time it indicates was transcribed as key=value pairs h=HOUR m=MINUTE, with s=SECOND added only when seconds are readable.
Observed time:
h=6 m=13
